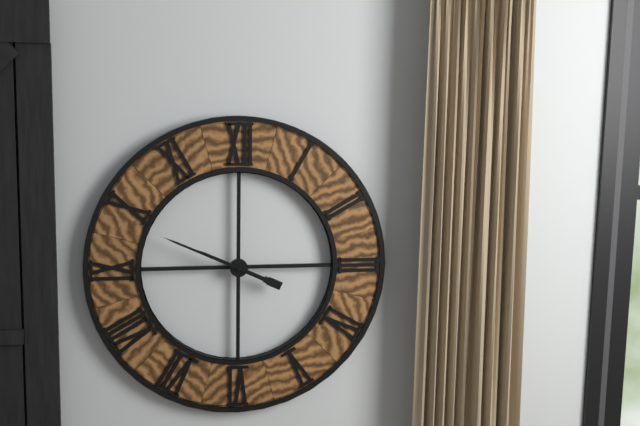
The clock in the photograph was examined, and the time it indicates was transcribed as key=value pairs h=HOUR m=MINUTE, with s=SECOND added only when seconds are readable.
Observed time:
h=9 m=49
